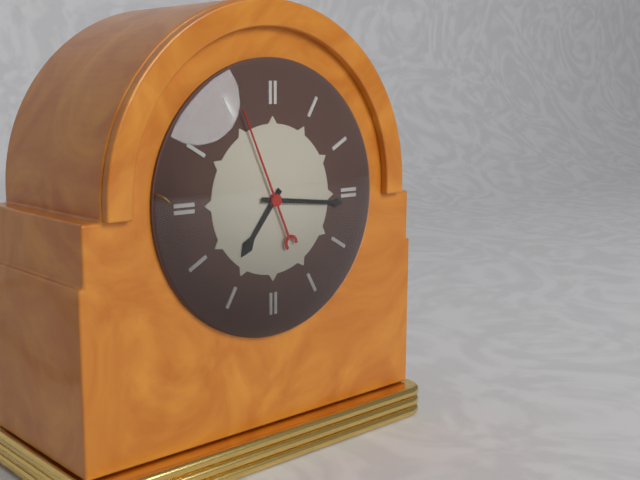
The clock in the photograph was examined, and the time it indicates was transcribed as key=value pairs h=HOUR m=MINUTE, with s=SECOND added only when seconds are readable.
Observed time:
h=7 m=16 s=56
